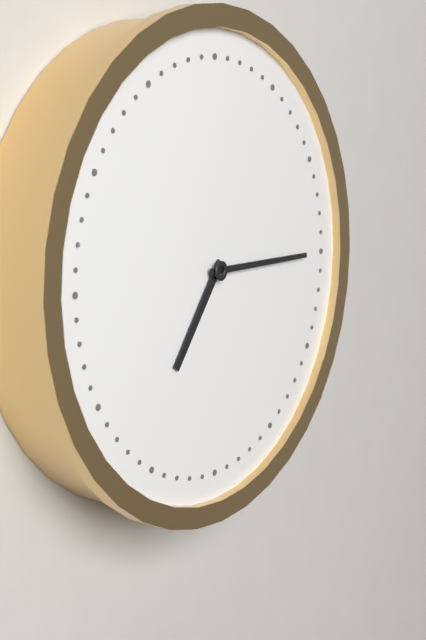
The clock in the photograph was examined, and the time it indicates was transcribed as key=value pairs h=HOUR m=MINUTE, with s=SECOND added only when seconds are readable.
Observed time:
h=7 m=15
